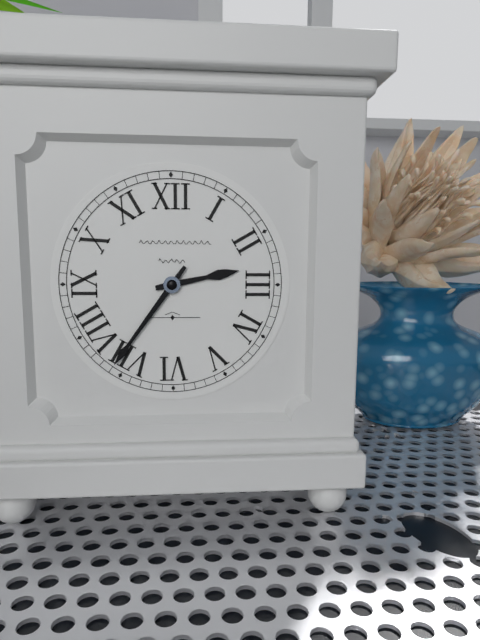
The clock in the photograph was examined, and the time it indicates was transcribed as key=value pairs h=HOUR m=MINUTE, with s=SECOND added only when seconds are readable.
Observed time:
h=2 m=36
